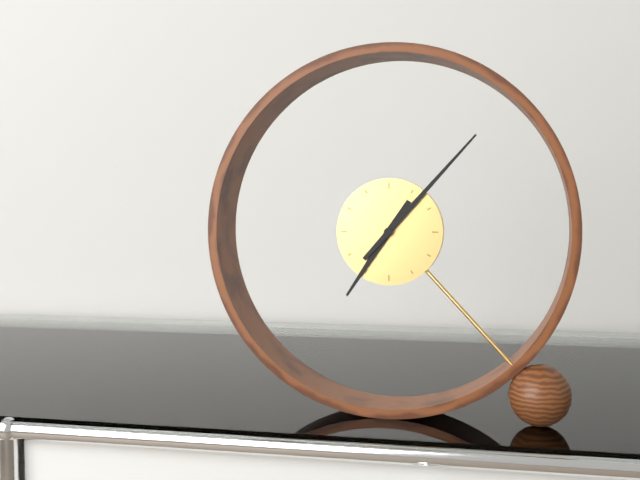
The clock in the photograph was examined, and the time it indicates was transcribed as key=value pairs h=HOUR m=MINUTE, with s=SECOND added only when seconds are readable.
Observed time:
h=7 m=7
